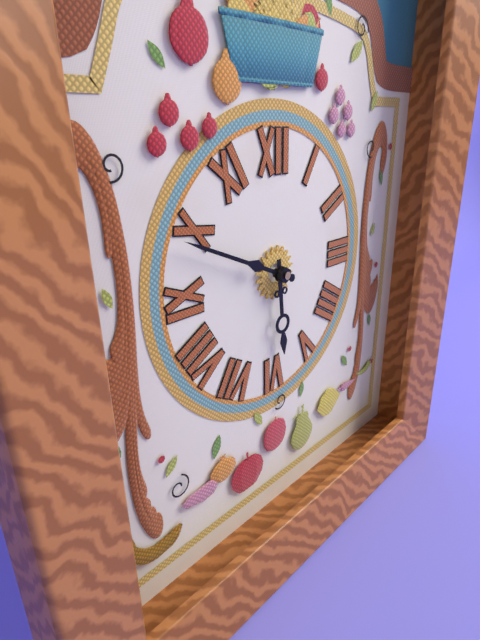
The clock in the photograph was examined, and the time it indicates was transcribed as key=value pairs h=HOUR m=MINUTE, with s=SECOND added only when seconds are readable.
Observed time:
h=5 m=49
